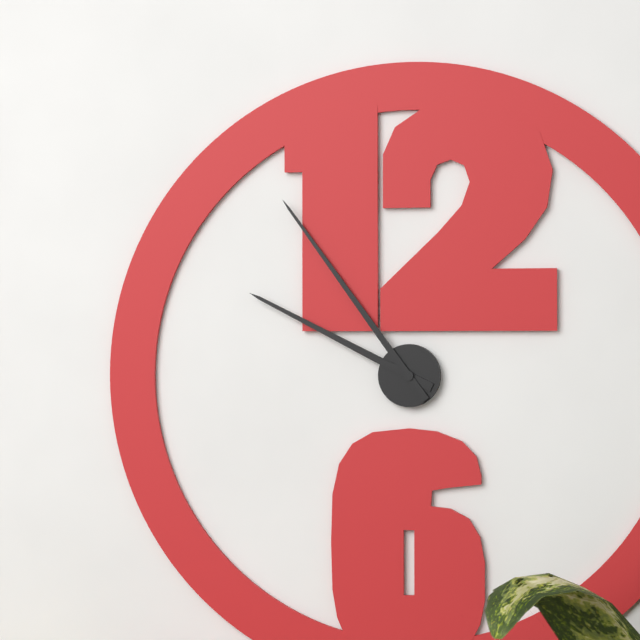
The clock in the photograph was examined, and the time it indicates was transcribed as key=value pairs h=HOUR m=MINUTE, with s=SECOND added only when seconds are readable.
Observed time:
h=9 m=54
